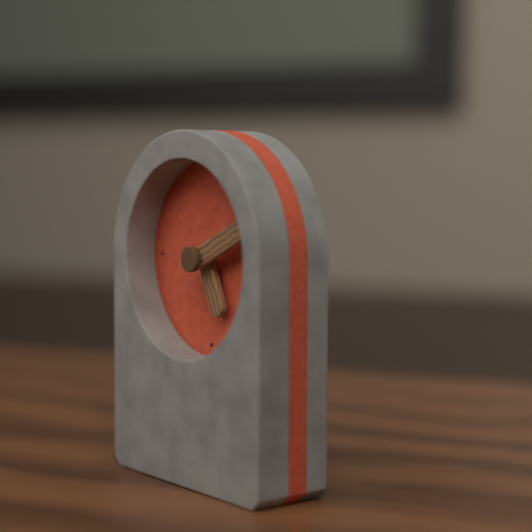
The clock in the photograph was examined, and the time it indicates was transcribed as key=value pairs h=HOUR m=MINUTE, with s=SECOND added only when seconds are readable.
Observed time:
h=5 m=11
